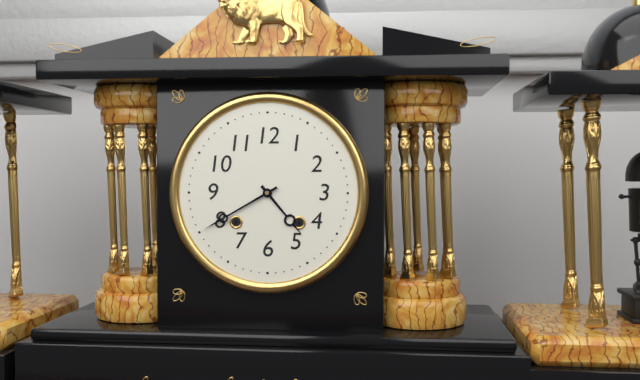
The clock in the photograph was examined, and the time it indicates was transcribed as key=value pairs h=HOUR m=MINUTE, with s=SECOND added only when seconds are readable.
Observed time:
h=4 m=40
